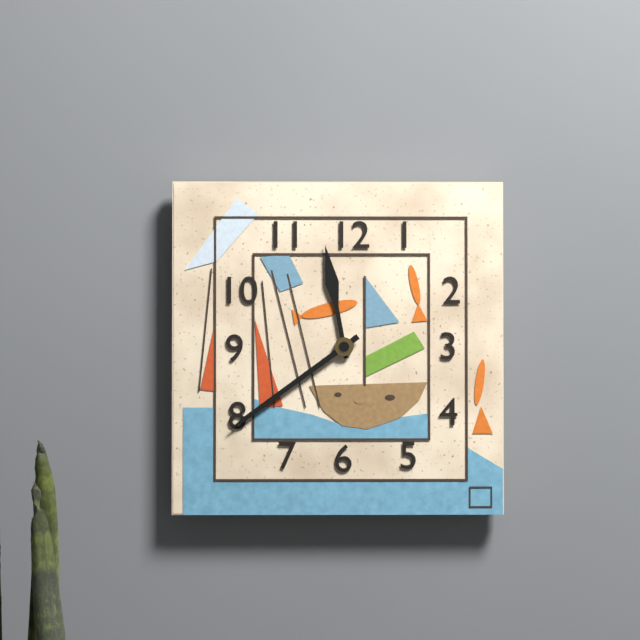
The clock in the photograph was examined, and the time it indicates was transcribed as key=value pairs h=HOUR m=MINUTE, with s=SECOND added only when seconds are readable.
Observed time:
h=11 m=39
